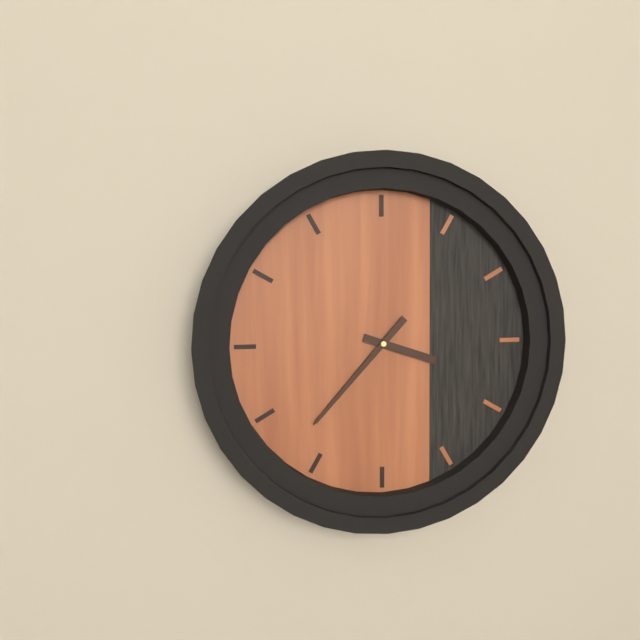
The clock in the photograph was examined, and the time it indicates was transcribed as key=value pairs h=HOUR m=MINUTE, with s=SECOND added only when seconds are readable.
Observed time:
h=3 m=37
